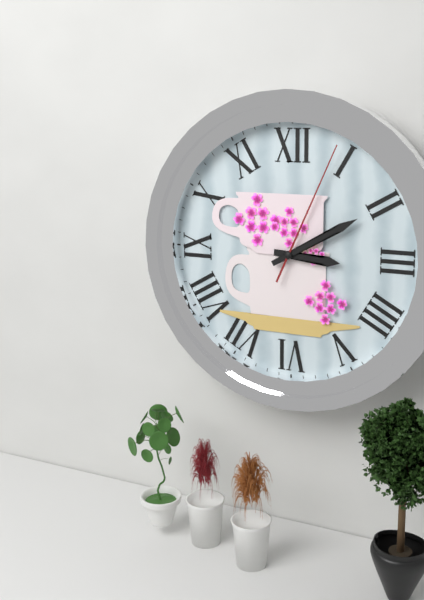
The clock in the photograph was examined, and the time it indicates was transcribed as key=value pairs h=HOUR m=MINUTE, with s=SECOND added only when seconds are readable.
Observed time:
h=3 m=10 s=4
